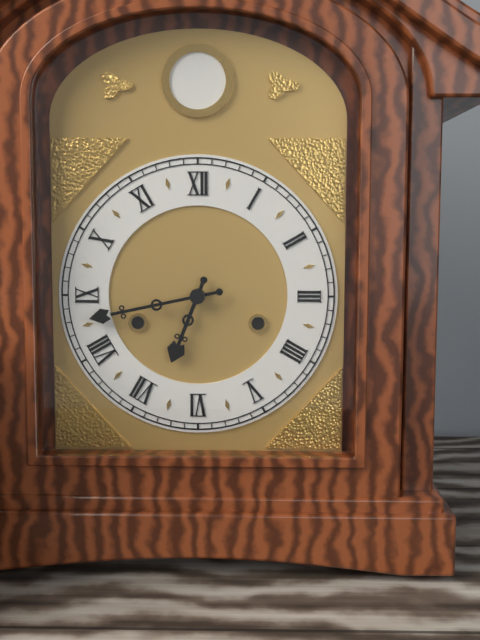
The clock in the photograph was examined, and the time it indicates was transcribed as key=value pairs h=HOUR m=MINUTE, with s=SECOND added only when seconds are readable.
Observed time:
h=6 m=43
